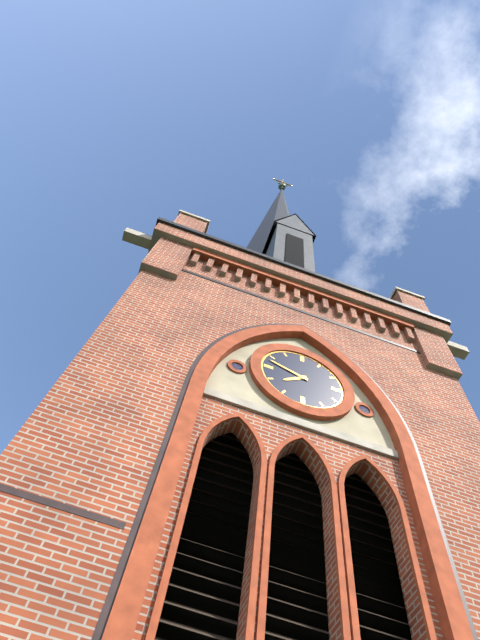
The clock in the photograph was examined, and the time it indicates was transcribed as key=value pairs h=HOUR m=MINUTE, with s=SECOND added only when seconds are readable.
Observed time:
h=7 m=48
